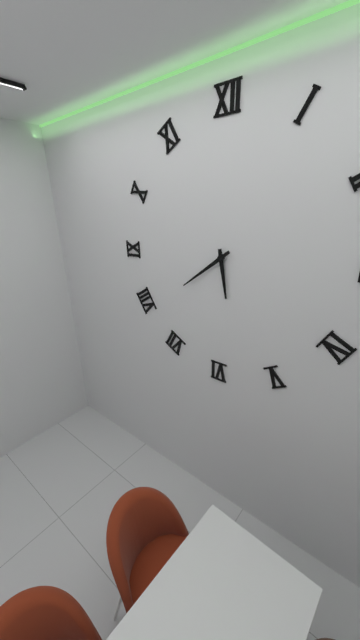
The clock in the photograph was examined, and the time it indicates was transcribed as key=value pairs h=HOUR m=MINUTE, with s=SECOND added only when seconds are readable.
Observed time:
h=5 m=39
